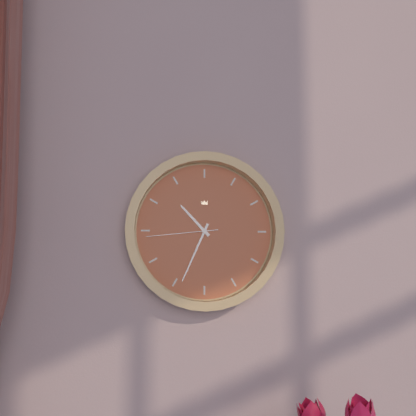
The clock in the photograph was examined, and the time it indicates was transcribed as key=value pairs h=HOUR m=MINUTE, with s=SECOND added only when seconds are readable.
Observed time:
h=10 m=34 s=44
